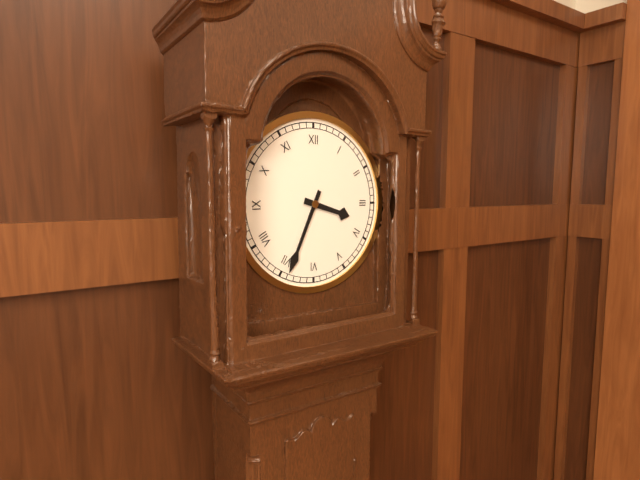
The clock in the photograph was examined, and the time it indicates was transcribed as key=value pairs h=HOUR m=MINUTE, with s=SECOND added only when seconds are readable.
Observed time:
h=3 m=34
